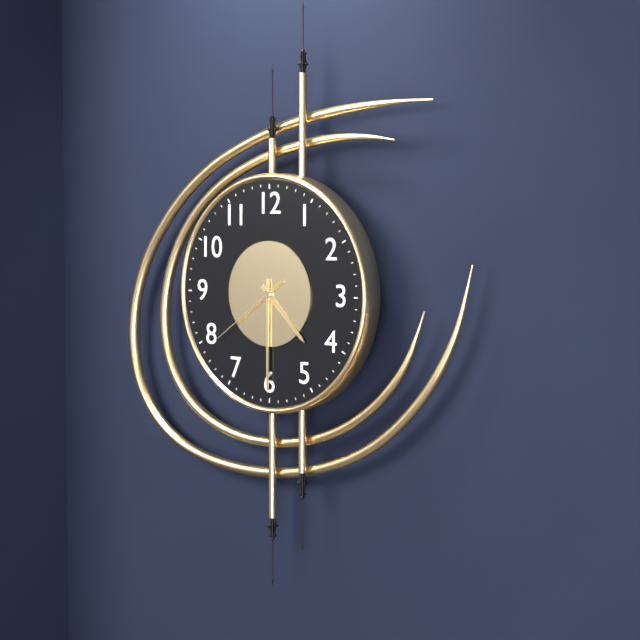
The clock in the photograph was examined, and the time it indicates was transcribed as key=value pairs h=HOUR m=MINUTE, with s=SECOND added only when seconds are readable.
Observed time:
h=4 m=30 s=39
